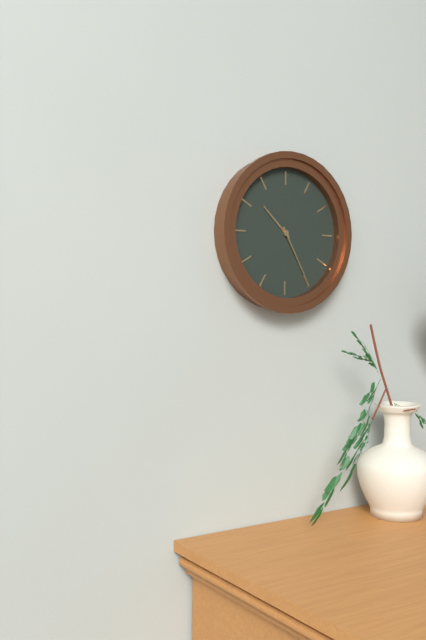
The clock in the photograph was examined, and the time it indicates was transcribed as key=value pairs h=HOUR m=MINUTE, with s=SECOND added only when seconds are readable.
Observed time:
h=10 m=25
